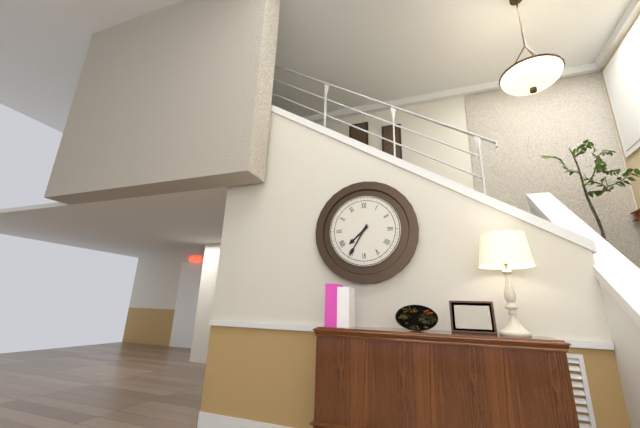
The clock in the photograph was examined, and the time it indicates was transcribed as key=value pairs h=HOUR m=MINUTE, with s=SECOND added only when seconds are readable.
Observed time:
h=7 m=35
